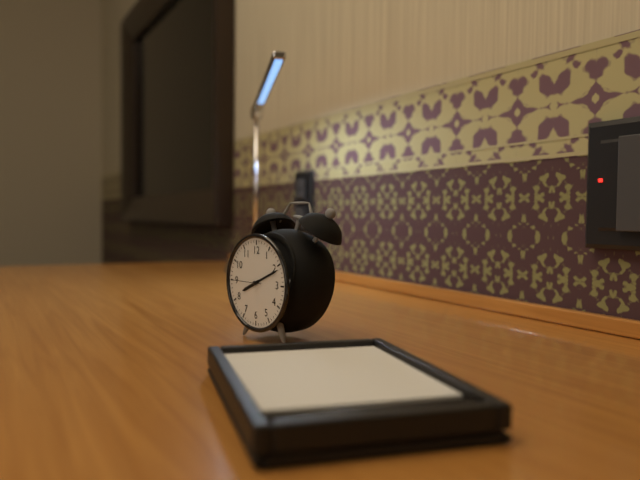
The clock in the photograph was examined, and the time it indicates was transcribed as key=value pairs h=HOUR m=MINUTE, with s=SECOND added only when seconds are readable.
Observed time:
h=8 m=11
